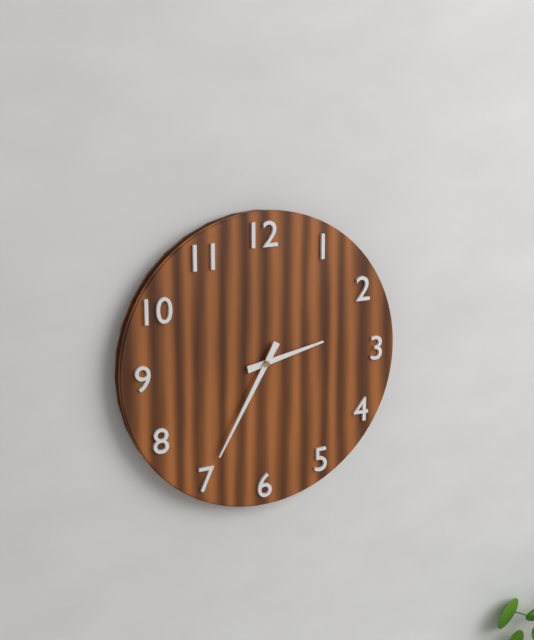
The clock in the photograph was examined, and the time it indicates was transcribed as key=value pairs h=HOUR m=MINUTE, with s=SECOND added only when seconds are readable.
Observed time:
h=2 m=35
